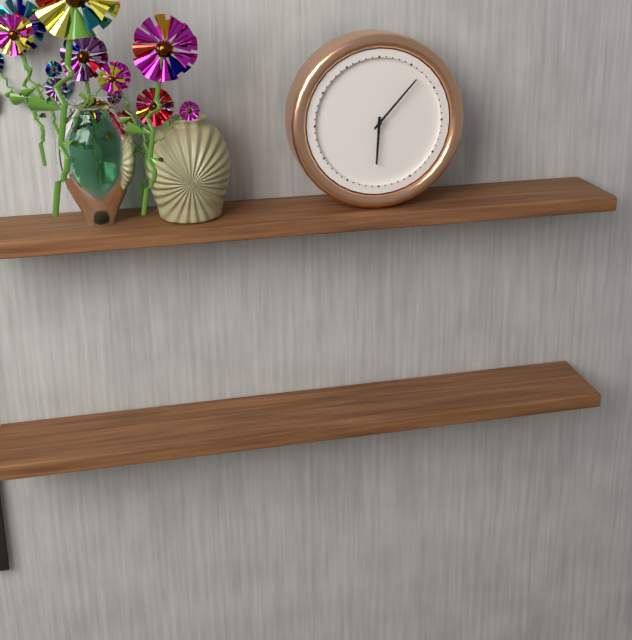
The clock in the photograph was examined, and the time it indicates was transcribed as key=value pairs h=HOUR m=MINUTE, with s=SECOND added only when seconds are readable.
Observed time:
h=6 m=7
